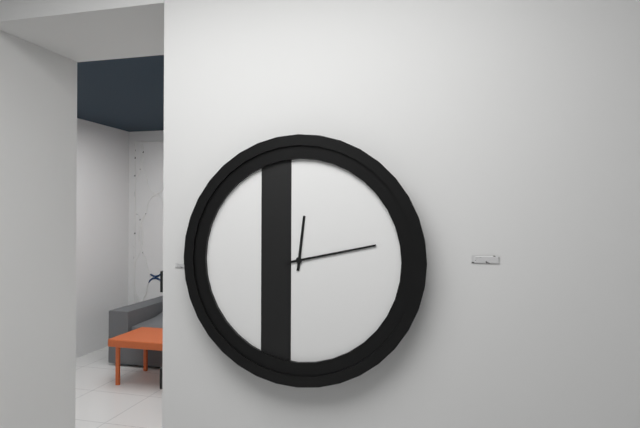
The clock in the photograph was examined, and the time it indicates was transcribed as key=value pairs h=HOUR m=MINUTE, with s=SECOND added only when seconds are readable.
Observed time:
h=12 m=13
